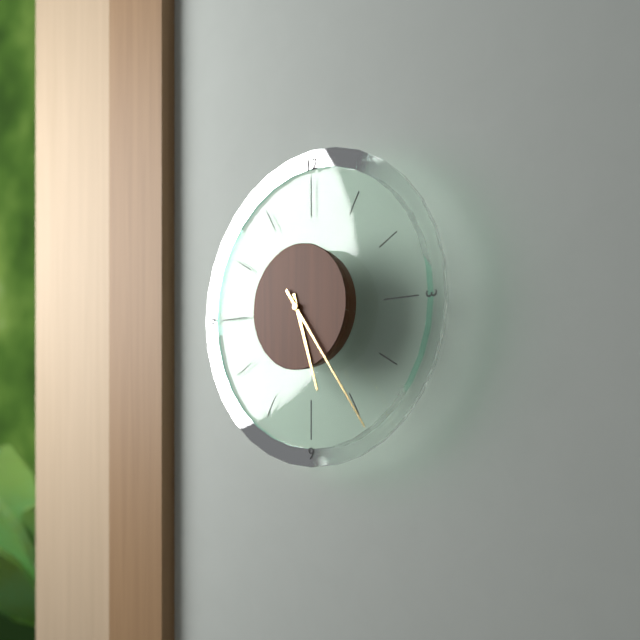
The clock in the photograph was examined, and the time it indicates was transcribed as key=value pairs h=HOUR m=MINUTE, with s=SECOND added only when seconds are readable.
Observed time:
h=5 m=24
